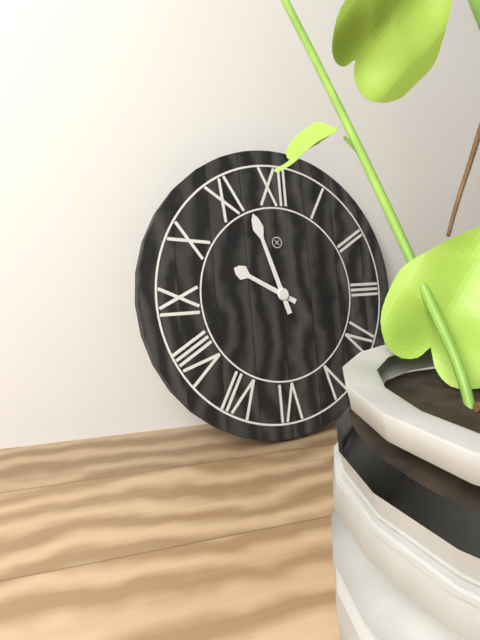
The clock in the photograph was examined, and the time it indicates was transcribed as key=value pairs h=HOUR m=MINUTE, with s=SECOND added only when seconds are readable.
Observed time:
h=9 m=57
